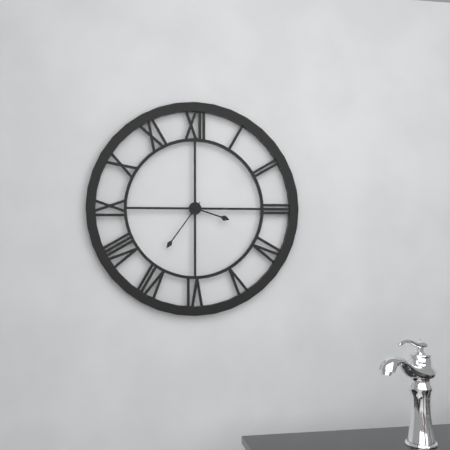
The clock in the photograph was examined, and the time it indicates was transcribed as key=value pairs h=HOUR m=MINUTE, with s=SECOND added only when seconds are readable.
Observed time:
h=3 m=36
